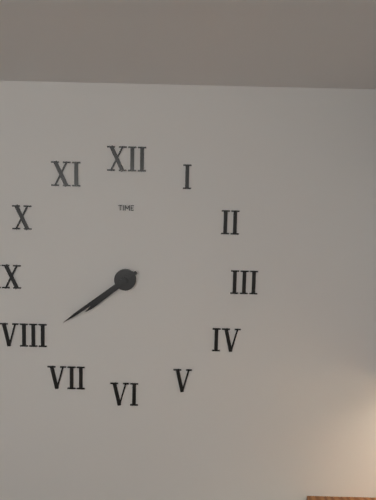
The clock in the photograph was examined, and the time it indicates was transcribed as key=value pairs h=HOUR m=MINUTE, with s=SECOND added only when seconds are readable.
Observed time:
h=7 m=39
